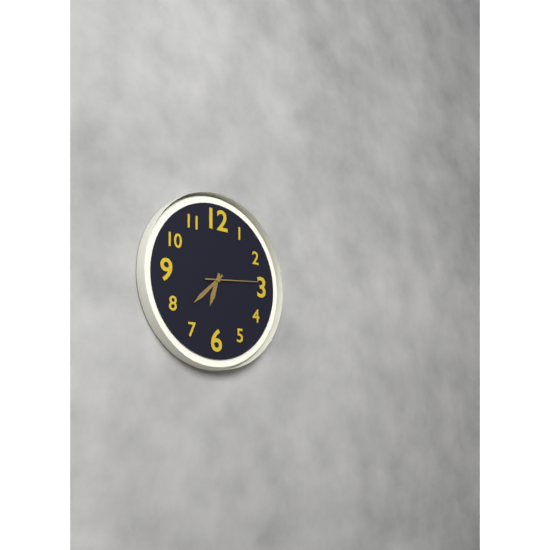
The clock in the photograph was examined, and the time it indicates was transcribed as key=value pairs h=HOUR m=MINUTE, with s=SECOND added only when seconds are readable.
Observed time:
h=6 m=38 s=14
